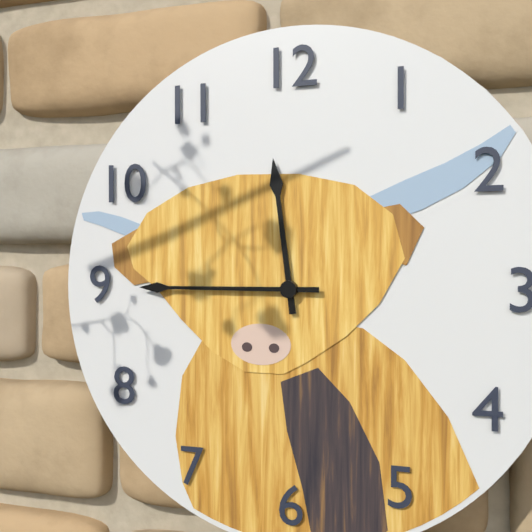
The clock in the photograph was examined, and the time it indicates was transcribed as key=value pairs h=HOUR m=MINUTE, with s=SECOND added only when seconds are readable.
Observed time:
h=11 m=45
